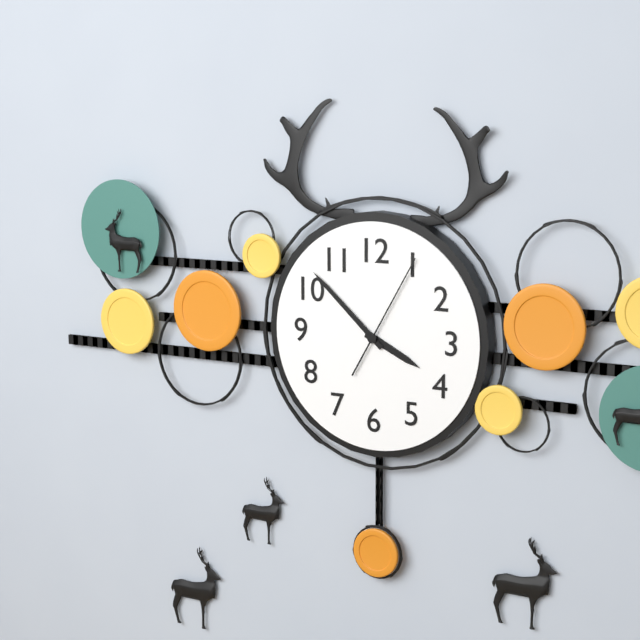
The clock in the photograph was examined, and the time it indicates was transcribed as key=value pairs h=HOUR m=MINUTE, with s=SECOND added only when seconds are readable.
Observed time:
h=3 m=52 s=5
